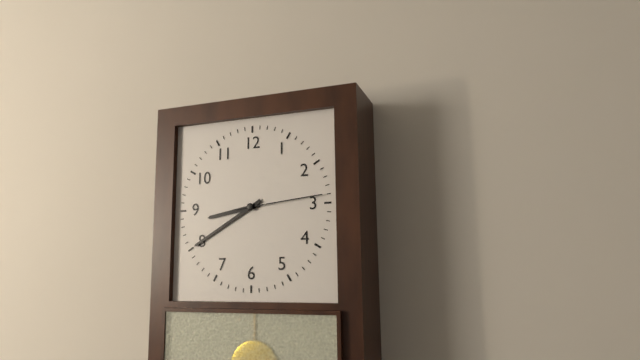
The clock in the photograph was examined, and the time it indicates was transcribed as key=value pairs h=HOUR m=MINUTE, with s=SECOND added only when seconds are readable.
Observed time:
h=8 m=40 s=14
